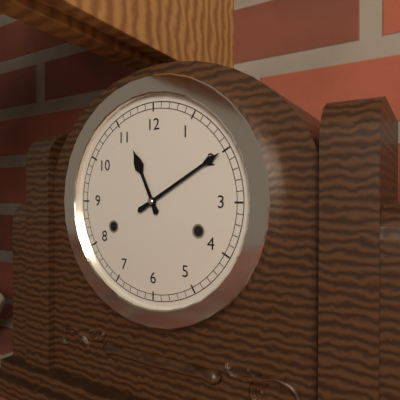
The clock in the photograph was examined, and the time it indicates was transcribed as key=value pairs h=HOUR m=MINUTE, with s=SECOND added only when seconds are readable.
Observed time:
h=11 m=10
